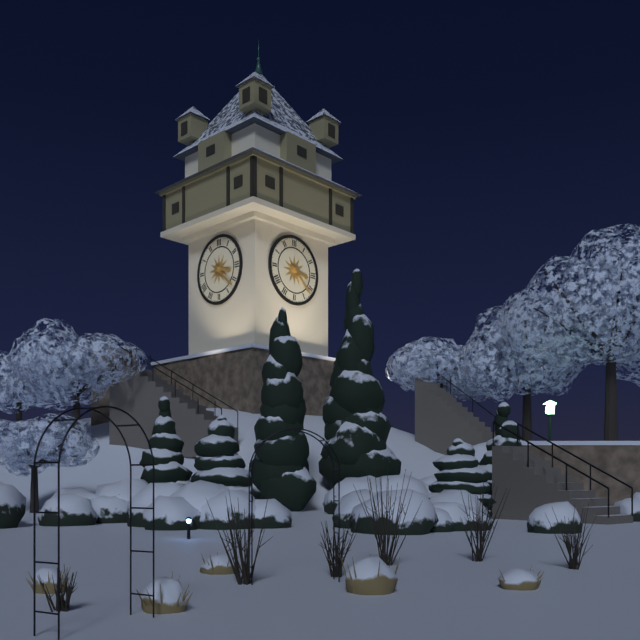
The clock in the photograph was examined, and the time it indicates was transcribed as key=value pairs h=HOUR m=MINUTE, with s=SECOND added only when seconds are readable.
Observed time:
h=3 m=22
